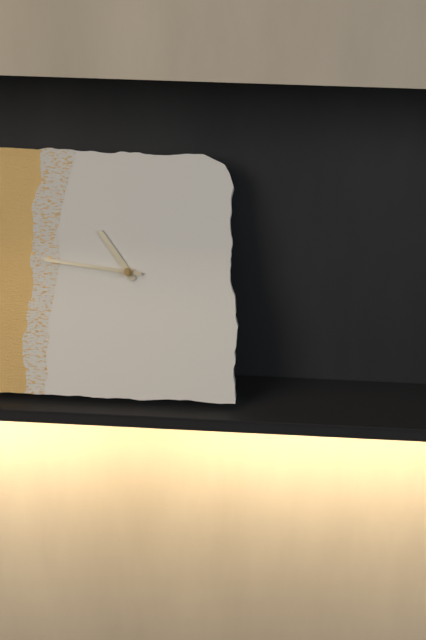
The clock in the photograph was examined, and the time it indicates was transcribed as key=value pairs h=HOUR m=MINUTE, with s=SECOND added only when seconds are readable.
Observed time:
h=10 m=46
